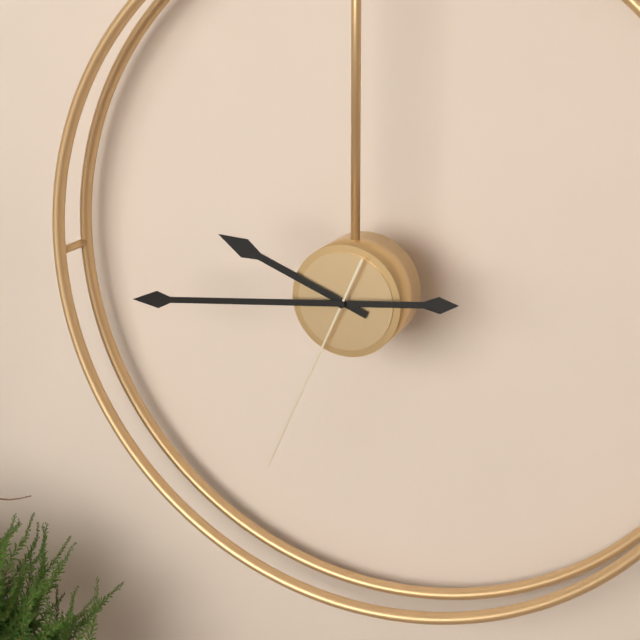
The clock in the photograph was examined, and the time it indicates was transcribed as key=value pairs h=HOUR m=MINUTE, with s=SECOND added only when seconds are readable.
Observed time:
h=9 m=44 s=34
